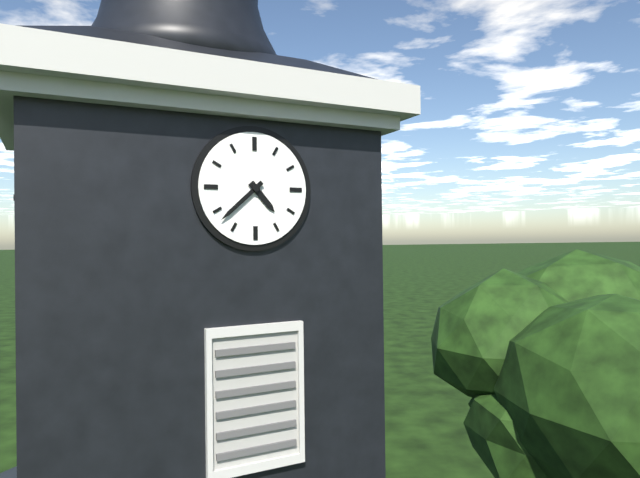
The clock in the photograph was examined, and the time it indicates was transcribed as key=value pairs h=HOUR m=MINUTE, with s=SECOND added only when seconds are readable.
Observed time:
h=4 m=38
